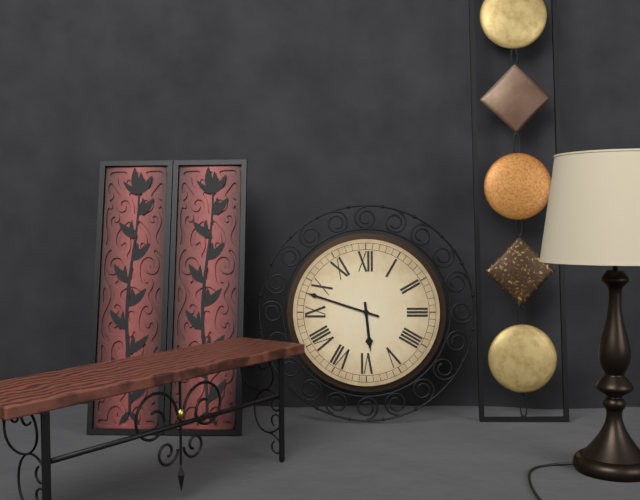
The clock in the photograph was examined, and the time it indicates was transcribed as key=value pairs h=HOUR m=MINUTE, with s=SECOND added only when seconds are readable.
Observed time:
h=5 m=48
